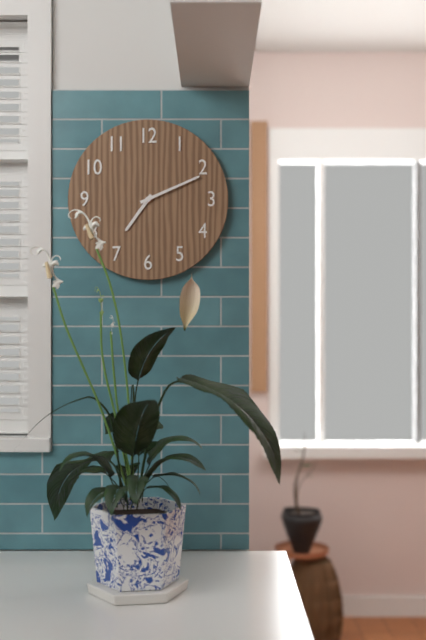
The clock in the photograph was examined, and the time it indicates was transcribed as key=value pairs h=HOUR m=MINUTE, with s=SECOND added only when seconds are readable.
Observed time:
h=7 m=11
